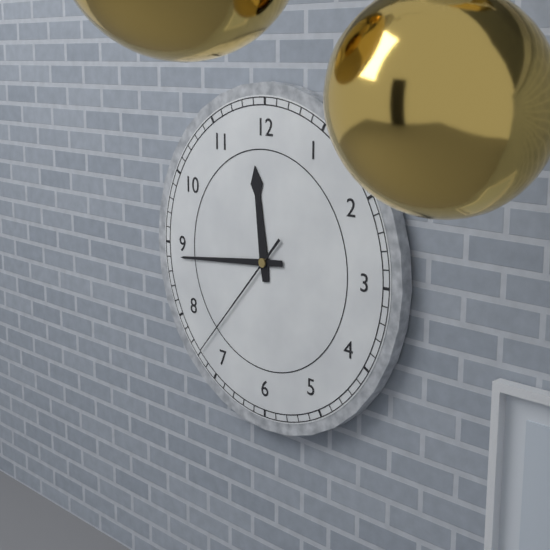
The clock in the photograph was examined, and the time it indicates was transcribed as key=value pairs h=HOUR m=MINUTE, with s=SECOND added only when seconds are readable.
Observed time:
h=11 m=44 s=37
